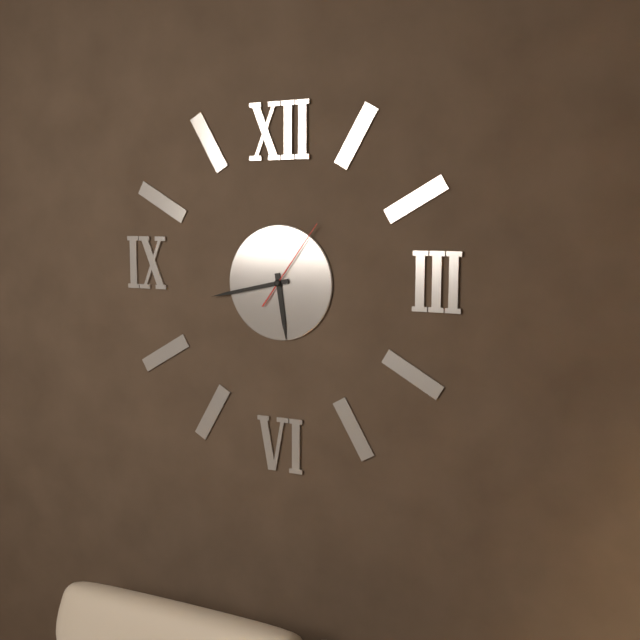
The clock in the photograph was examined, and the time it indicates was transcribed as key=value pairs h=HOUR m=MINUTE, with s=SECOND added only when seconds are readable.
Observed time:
h=5 m=43 s=6
